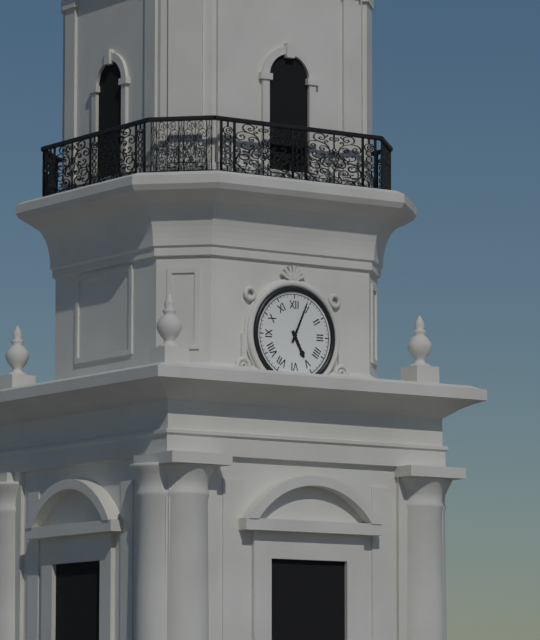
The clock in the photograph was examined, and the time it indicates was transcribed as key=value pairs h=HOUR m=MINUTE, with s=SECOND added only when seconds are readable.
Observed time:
h=5 m=4
